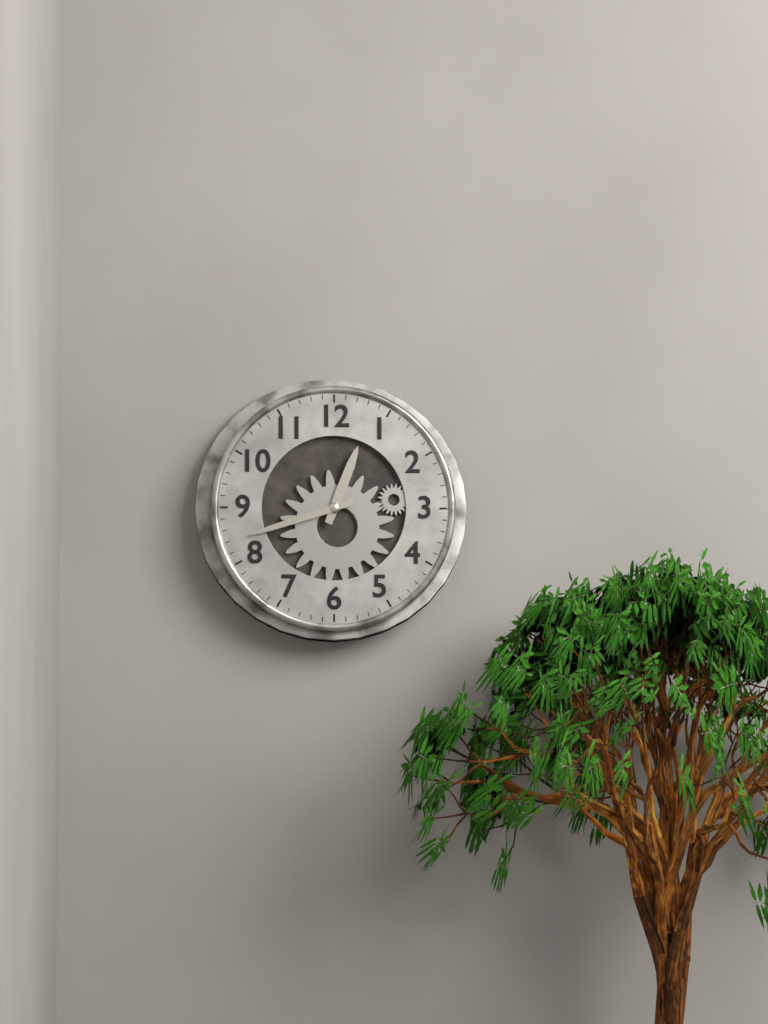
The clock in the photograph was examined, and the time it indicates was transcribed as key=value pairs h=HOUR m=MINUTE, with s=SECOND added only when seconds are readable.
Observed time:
h=12 m=42
